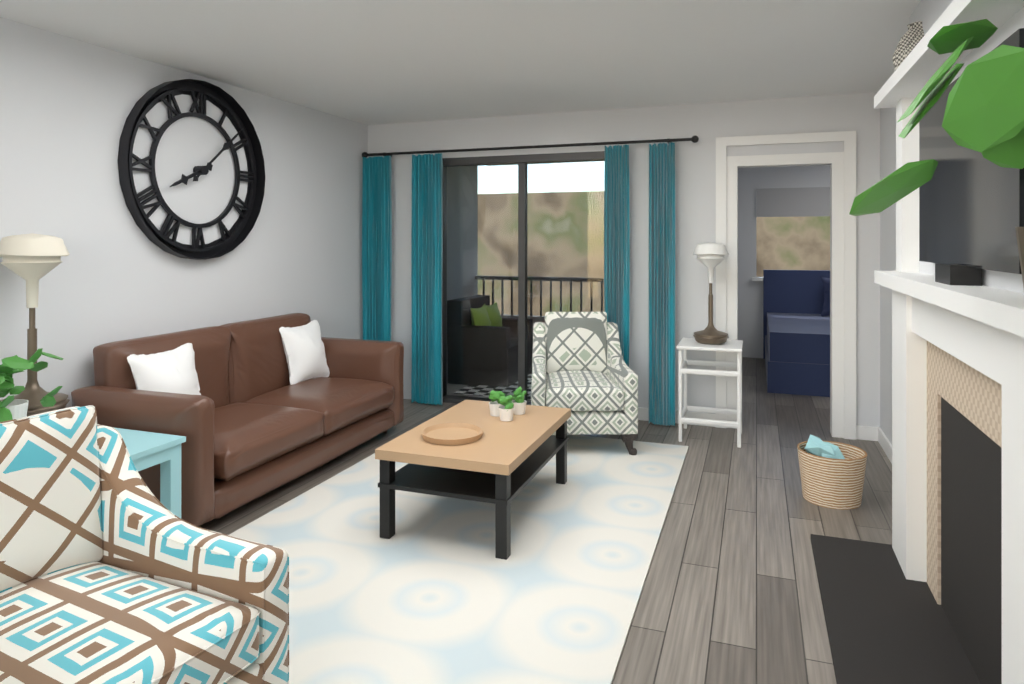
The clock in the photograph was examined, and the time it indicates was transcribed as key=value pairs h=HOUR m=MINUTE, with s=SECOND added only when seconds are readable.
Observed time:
h=8 m=8
